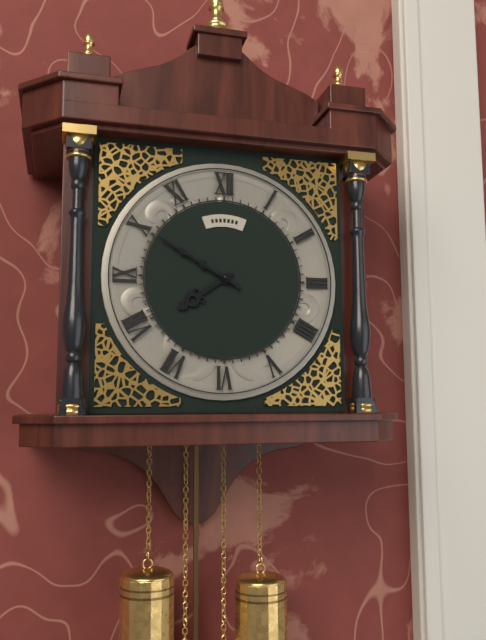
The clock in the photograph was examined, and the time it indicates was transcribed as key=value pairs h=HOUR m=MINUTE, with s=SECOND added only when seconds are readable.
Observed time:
h=7 m=50
